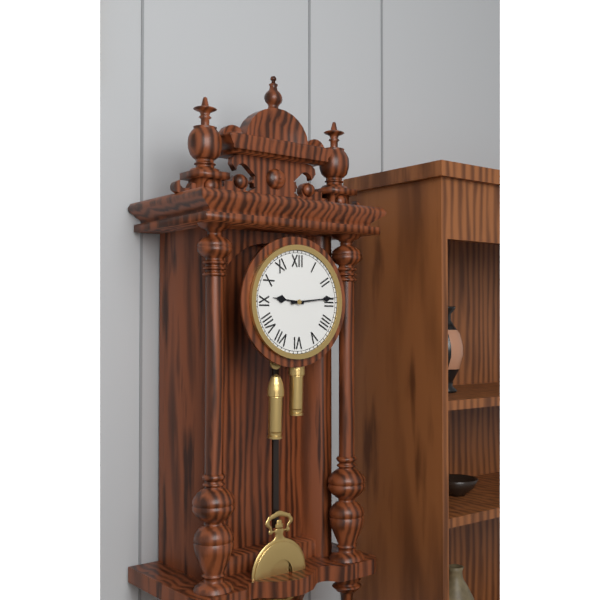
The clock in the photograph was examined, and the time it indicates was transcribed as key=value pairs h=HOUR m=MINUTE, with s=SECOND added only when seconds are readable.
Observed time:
h=9 m=14
